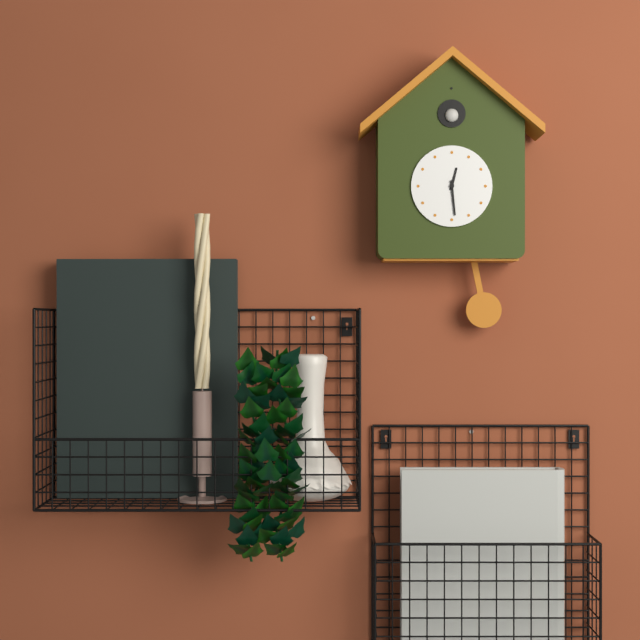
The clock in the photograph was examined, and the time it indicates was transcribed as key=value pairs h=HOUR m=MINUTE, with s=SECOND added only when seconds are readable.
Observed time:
h=12 m=29
